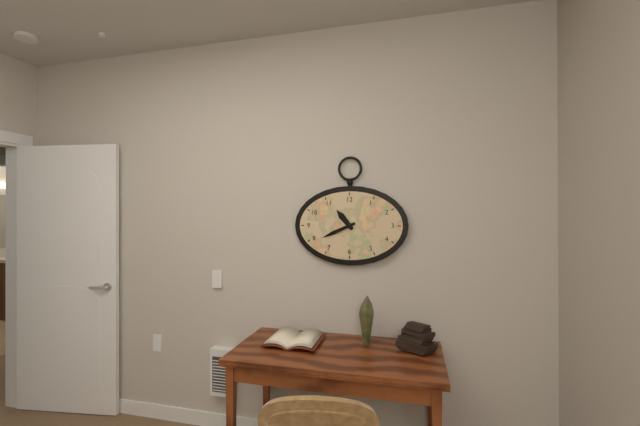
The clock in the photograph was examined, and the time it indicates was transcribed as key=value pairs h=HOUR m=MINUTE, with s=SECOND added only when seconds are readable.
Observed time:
h=10 m=41
